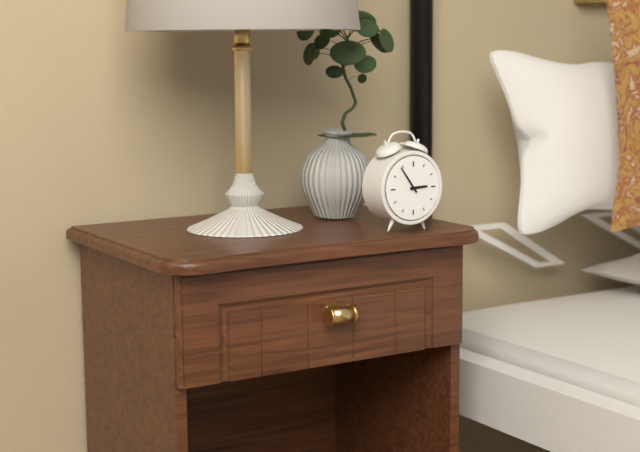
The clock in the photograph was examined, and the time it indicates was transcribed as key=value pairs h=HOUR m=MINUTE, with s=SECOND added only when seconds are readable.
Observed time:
h=2 m=54
